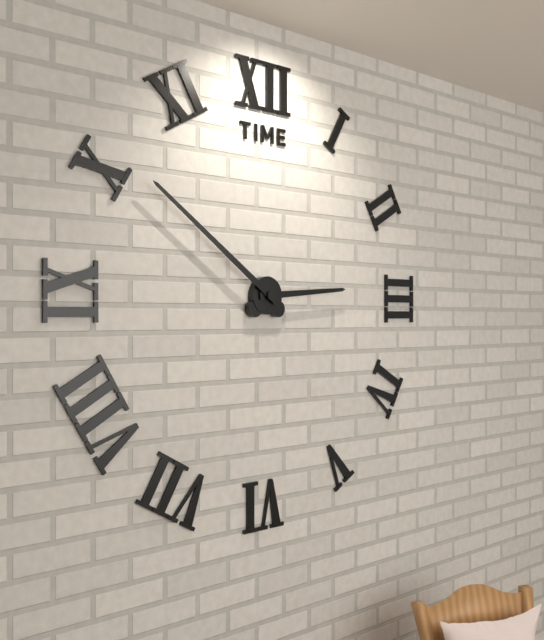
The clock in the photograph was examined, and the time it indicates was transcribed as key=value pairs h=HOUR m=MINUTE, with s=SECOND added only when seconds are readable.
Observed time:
h=2 m=51
